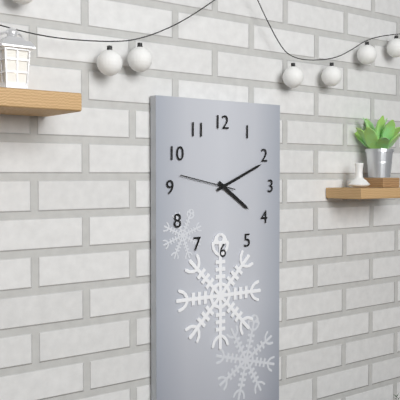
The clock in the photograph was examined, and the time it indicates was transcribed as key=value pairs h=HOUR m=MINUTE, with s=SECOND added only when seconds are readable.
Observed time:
h=4 m=11 s=47
